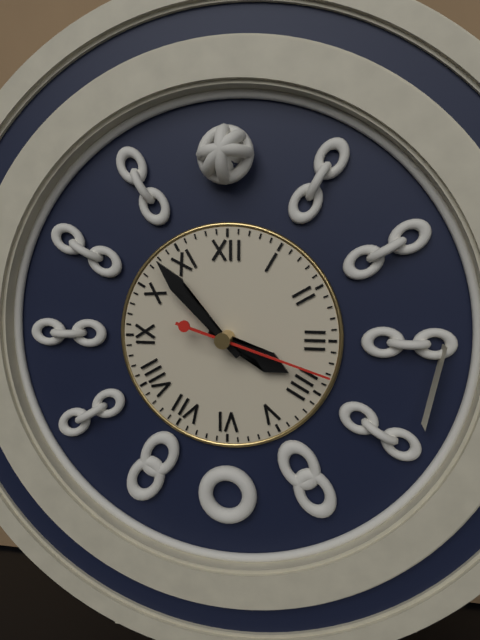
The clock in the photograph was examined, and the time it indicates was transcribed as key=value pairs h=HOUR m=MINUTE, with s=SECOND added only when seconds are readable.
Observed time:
h=3 m=53 s=18
